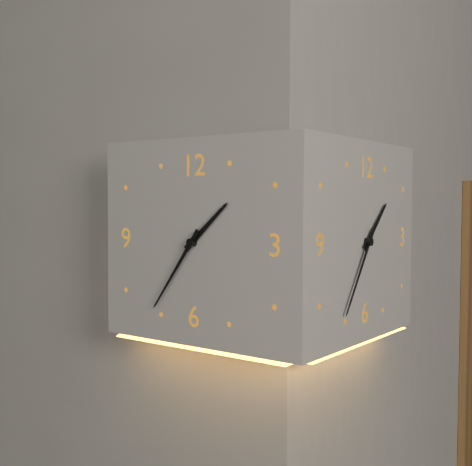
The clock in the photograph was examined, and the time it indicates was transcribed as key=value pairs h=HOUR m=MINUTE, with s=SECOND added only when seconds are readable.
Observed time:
h=1 m=36
